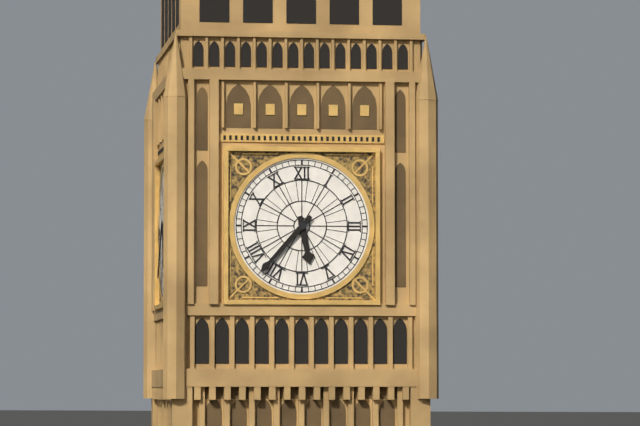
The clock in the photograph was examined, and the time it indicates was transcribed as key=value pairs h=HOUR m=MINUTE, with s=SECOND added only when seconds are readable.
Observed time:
h=5 m=37
